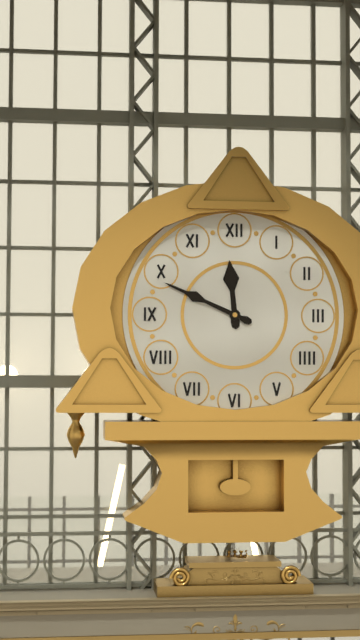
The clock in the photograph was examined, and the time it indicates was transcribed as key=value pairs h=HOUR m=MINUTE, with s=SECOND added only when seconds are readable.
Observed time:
h=11 m=49
